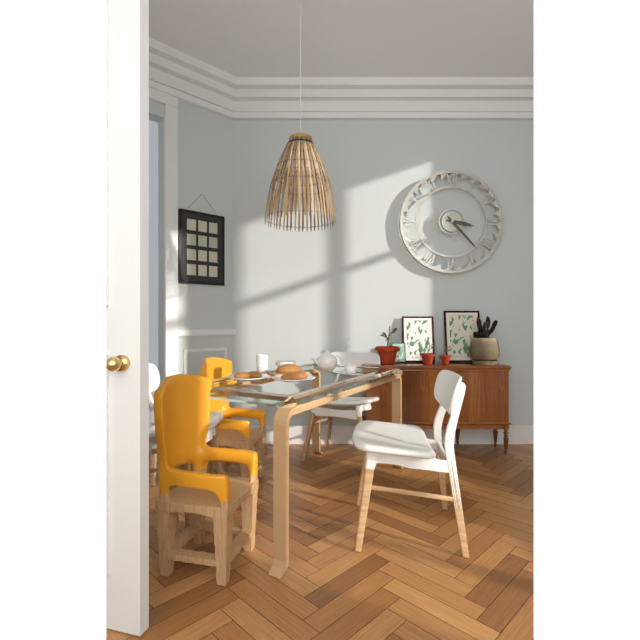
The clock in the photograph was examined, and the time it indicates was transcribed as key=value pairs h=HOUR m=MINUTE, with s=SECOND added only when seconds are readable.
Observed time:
h=3 m=23
